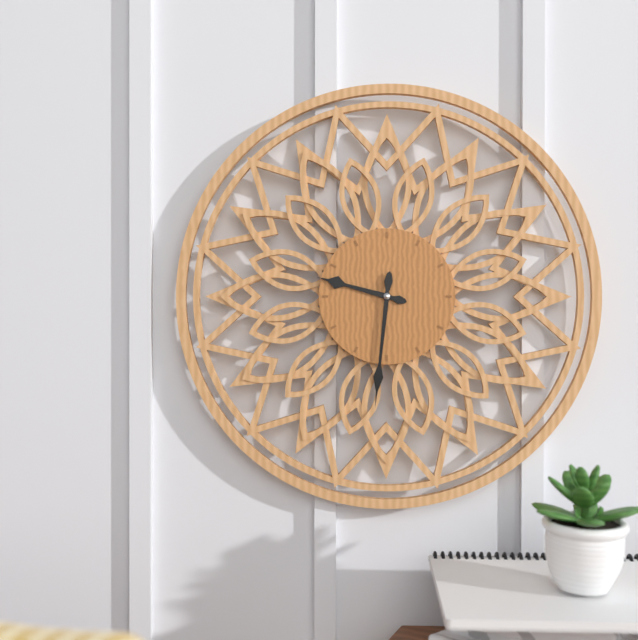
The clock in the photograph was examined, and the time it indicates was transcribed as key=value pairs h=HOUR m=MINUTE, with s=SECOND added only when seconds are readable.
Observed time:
h=9 m=31
